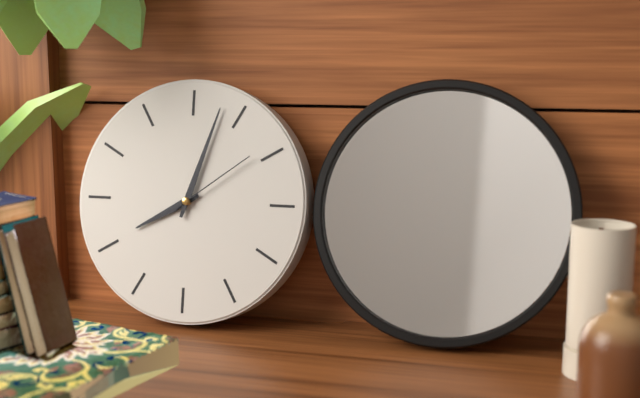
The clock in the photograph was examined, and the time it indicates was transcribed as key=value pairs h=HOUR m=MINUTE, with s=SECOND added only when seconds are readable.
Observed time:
h=8 m=3 s=9
